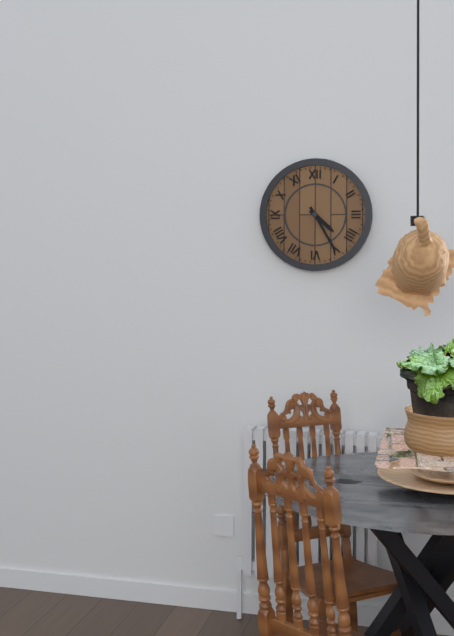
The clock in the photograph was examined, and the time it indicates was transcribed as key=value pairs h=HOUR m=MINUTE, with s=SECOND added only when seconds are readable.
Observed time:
h=4 m=25
